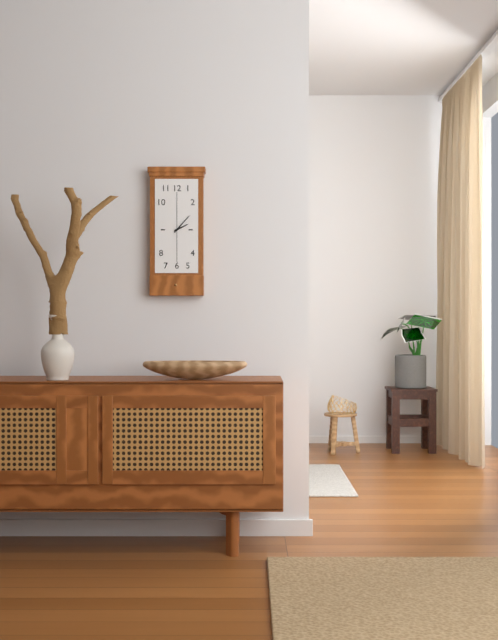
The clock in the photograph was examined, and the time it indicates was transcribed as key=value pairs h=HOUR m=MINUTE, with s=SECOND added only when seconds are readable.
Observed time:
h=2 m=7
